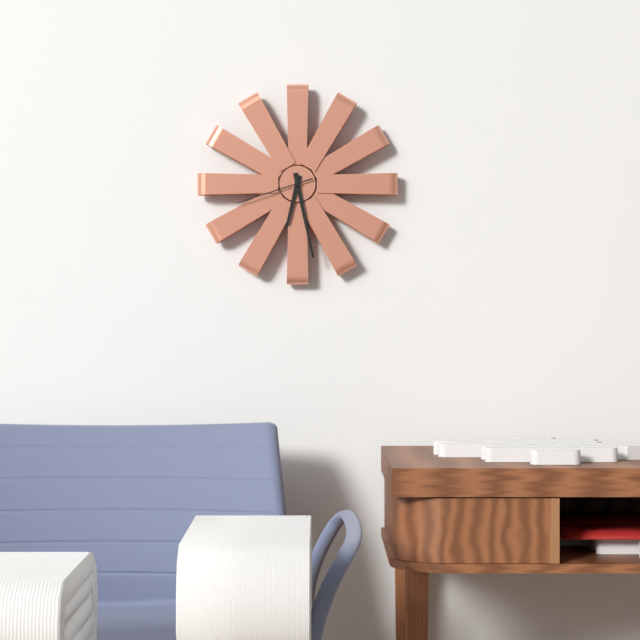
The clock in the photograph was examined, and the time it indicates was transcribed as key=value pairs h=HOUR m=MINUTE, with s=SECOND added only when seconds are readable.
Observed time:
h=6 m=28 s=42
